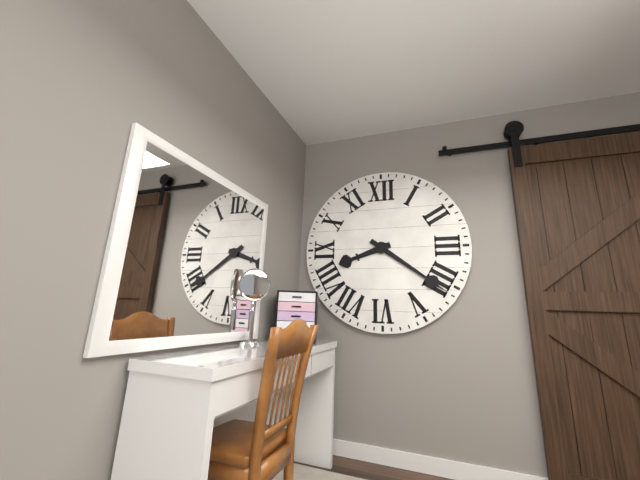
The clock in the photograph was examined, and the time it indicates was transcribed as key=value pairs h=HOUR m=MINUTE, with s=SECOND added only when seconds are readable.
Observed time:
h=8 m=21
